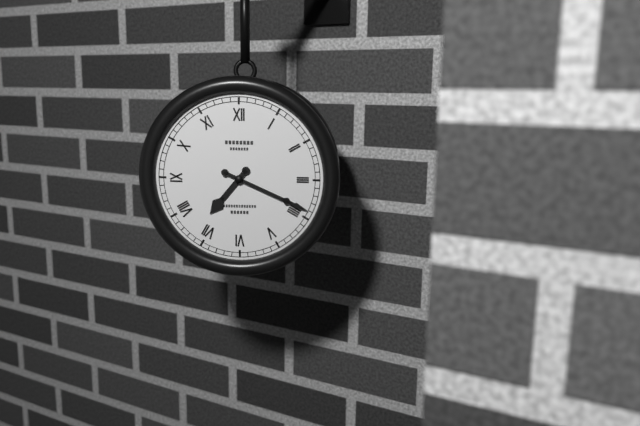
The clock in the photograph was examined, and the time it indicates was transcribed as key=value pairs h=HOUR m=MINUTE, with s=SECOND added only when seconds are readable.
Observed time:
h=7 m=19
